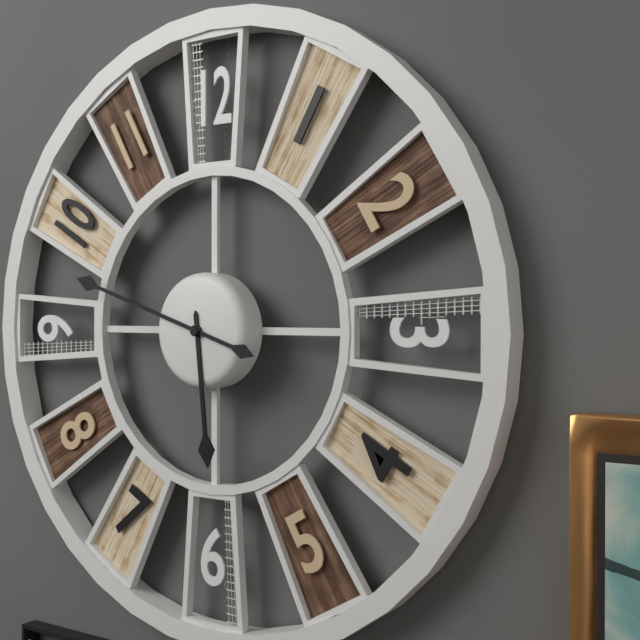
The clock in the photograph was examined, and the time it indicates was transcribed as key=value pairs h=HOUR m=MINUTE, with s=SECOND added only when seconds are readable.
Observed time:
h=5 m=48
